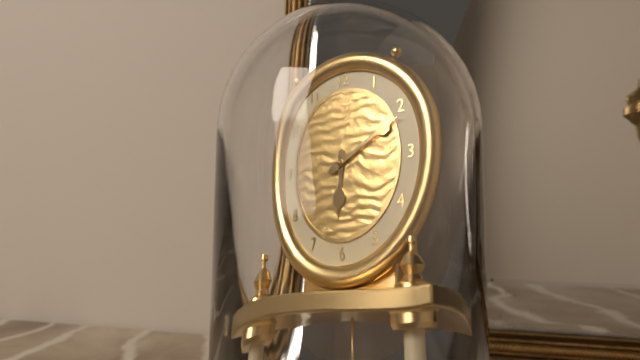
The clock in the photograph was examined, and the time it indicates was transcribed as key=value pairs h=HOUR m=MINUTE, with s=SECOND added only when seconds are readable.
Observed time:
h=6 m=11
